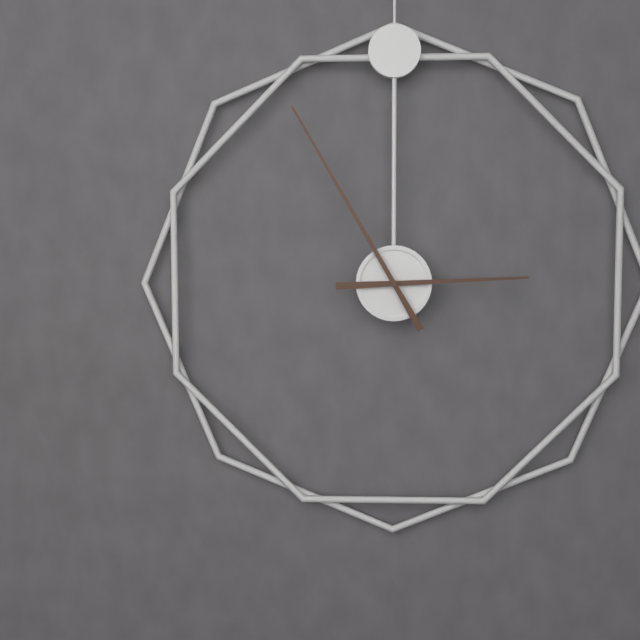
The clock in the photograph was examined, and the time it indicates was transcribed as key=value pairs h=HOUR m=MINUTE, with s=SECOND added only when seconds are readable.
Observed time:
h=2 m=55
